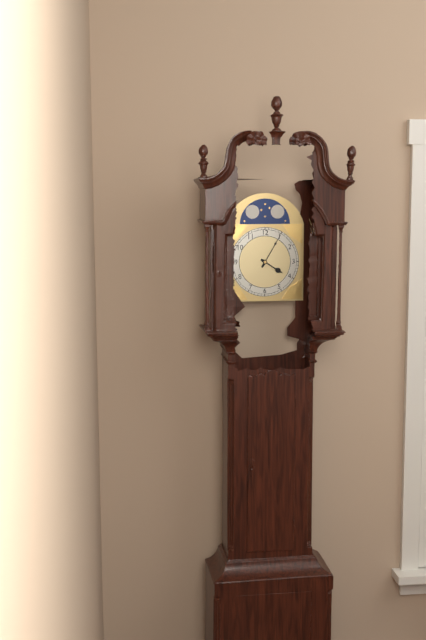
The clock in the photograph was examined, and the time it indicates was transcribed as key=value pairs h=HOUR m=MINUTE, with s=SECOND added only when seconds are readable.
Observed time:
h=4 m=5
